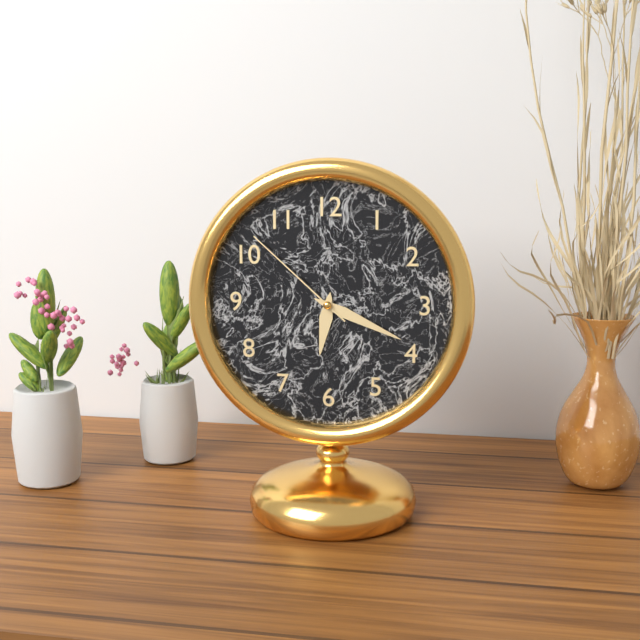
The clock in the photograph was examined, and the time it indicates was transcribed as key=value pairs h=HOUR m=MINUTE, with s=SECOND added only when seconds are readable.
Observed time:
h=6 m=19 s=52
